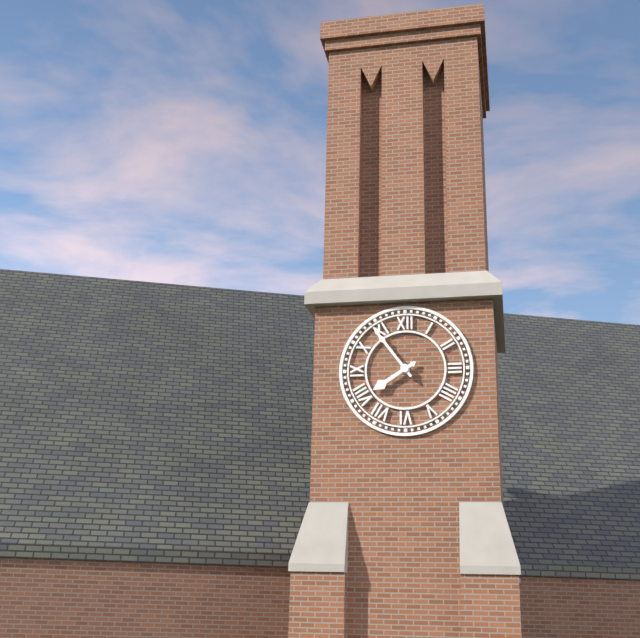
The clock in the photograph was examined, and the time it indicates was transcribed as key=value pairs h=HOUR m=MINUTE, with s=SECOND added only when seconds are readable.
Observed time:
h=7 m=54
